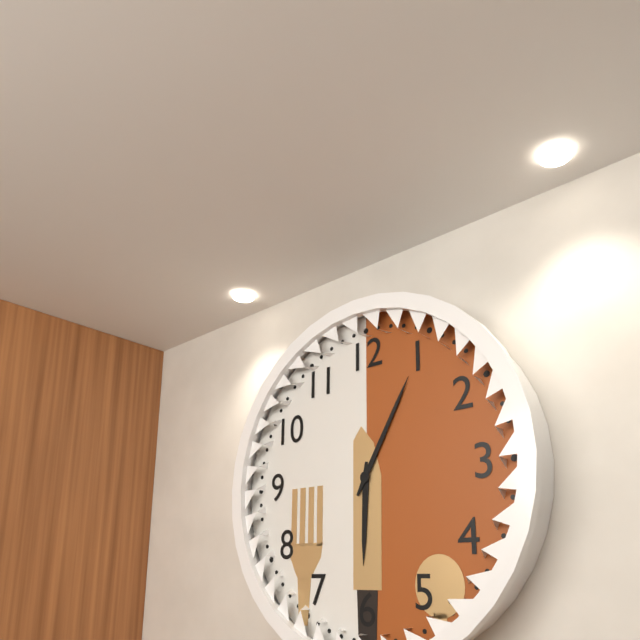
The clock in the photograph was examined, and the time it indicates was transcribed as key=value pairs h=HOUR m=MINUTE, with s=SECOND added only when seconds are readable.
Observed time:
h=6 m=5
